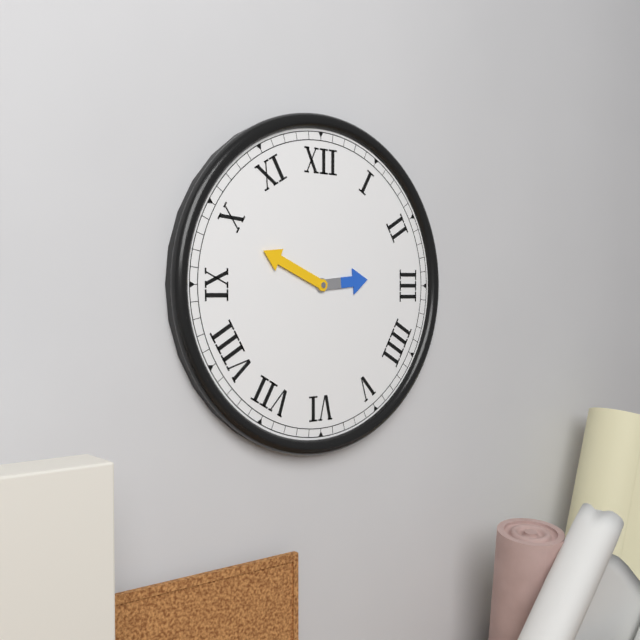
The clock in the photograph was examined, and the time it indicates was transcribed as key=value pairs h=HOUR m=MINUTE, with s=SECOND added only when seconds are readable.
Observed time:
h=2 m=49
